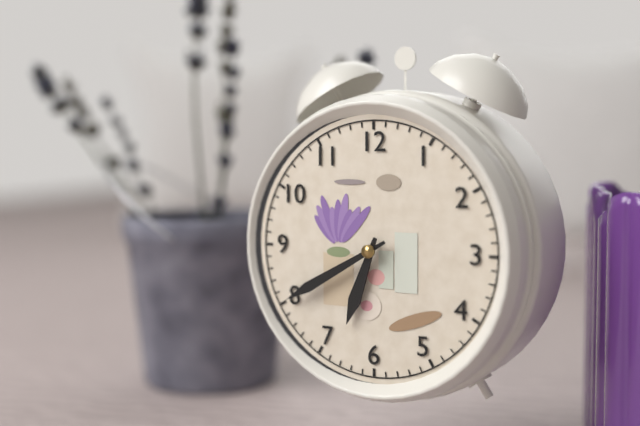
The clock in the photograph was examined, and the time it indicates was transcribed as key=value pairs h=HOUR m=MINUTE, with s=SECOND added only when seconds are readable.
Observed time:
h=6 m=40
